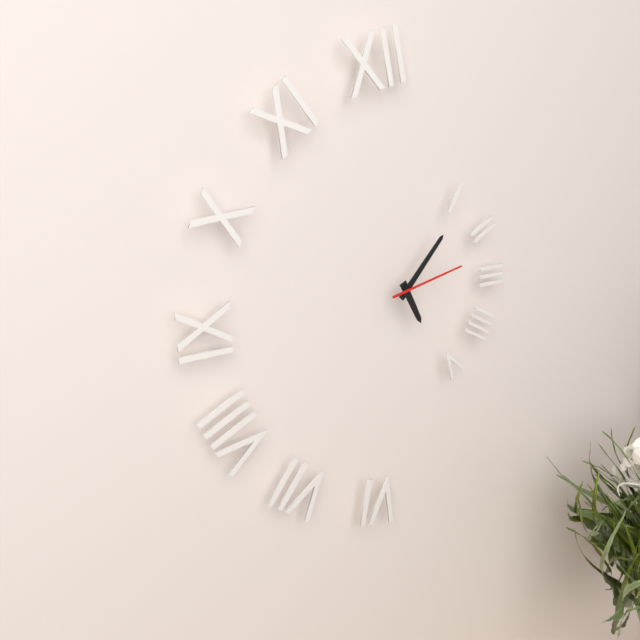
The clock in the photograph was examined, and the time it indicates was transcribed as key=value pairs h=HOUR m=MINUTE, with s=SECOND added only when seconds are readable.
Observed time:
h=5 m=7 s=13
